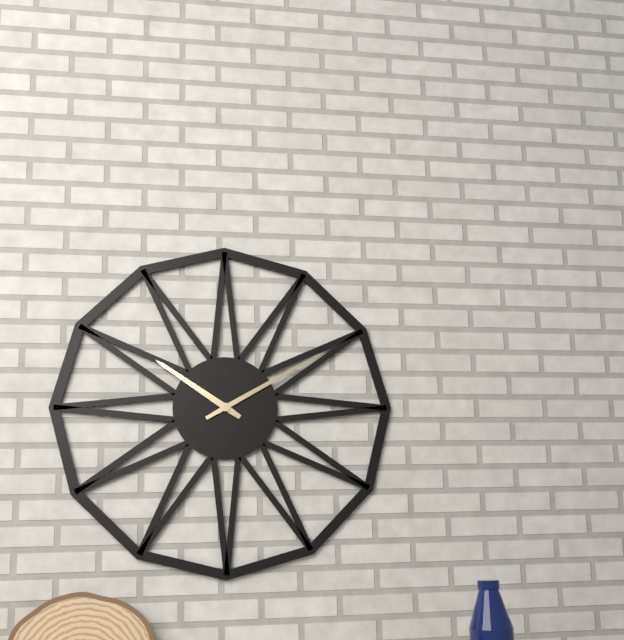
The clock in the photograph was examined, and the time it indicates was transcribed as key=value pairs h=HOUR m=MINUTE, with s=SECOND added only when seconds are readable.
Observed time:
h=10 m=10
